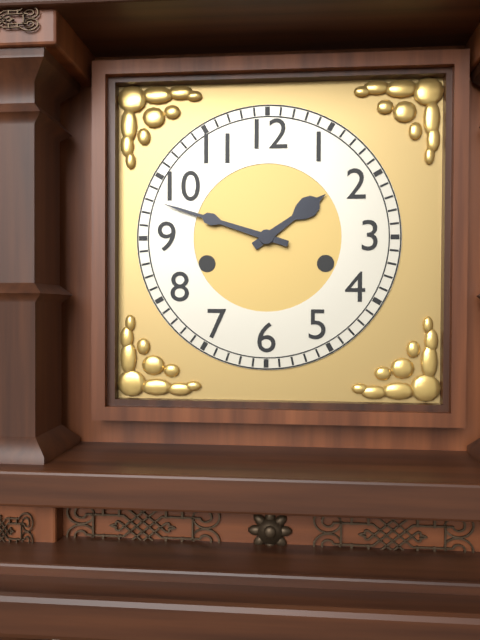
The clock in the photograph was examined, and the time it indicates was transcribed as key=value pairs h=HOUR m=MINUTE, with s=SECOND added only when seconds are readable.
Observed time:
h=1 m=48
